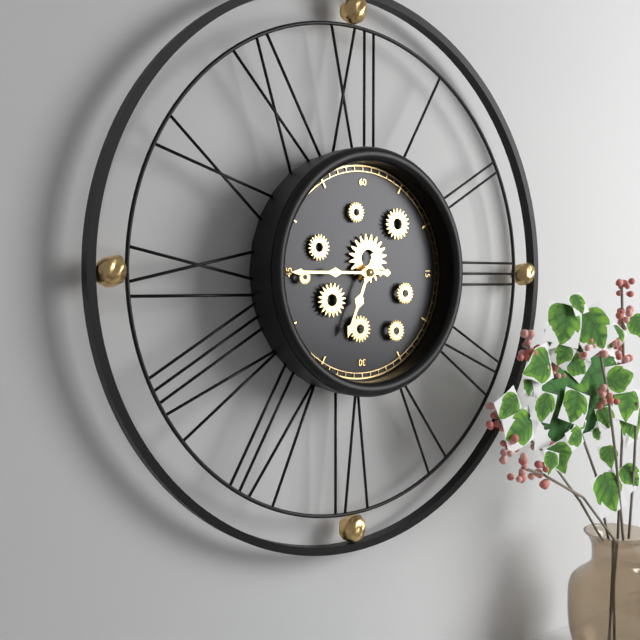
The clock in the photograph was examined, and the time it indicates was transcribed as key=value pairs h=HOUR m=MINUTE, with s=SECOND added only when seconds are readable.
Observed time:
h=6 m=45
